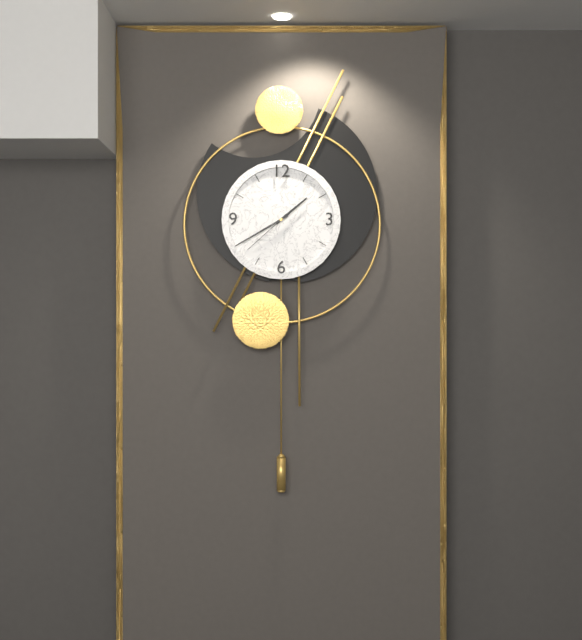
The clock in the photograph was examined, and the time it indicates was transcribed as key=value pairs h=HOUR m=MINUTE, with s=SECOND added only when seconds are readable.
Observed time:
h=1 m=40 s=38
